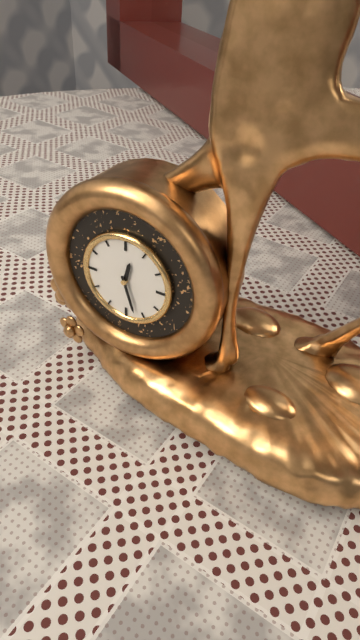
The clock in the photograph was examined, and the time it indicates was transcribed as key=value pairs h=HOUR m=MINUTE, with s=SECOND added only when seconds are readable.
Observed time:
h=12 m=27
